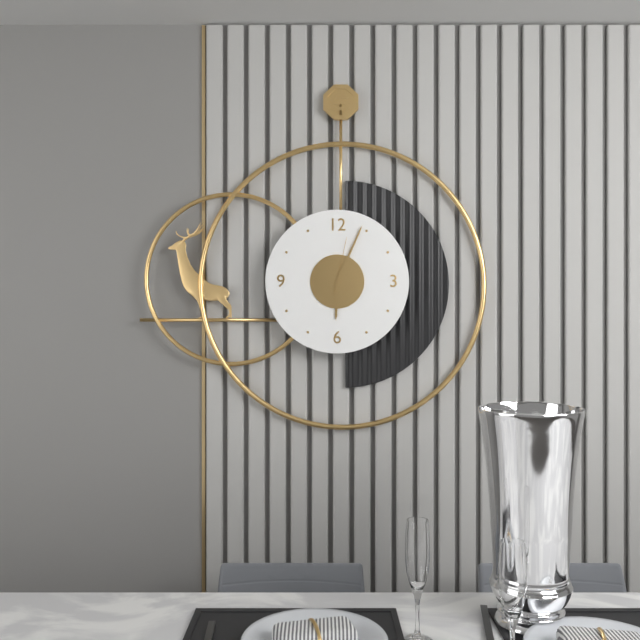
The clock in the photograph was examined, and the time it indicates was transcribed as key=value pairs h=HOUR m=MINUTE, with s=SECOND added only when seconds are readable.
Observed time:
h=6 m=4 s=2
